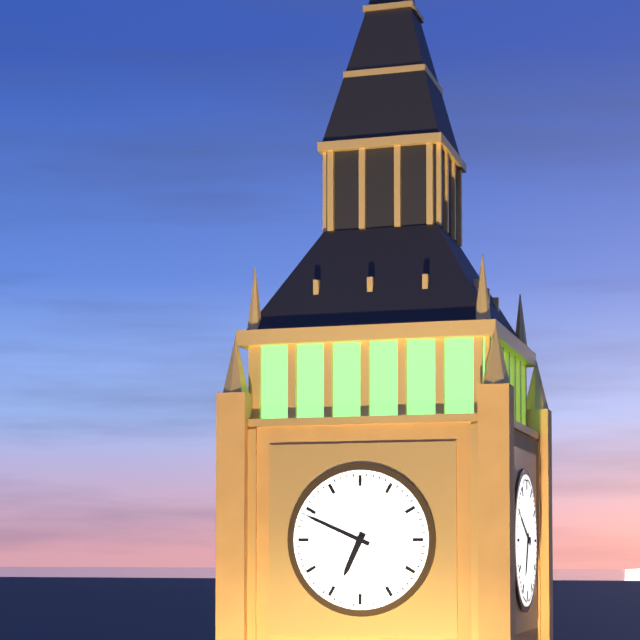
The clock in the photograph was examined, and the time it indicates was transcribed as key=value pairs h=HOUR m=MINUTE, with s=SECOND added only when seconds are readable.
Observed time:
h=6 m=49
